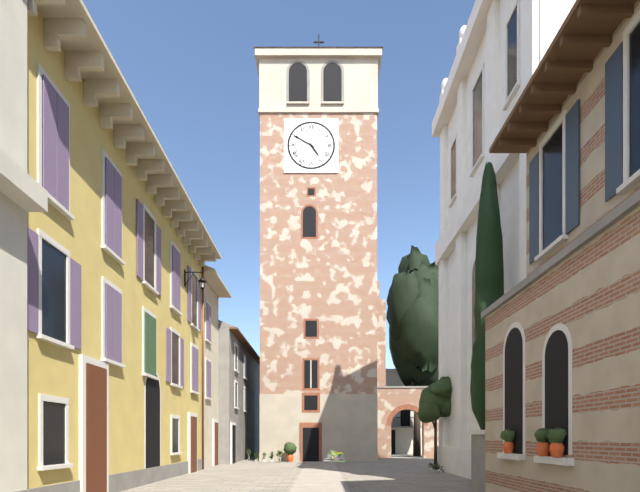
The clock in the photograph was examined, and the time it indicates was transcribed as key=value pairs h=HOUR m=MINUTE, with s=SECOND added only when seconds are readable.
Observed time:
h=4 m=50
